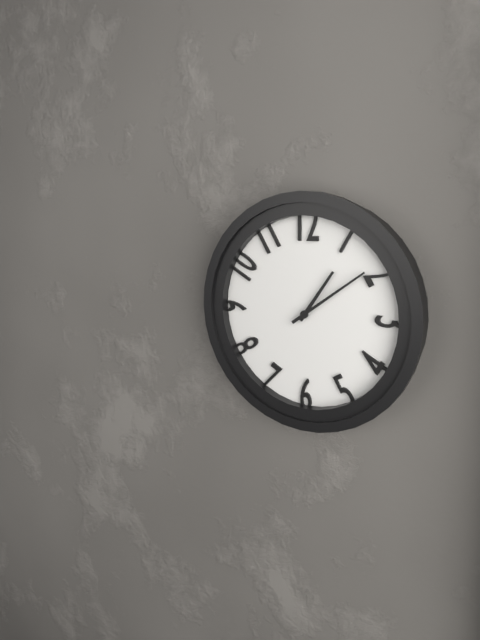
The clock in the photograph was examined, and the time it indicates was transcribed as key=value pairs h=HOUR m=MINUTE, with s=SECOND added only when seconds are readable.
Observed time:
h=1 m=9
